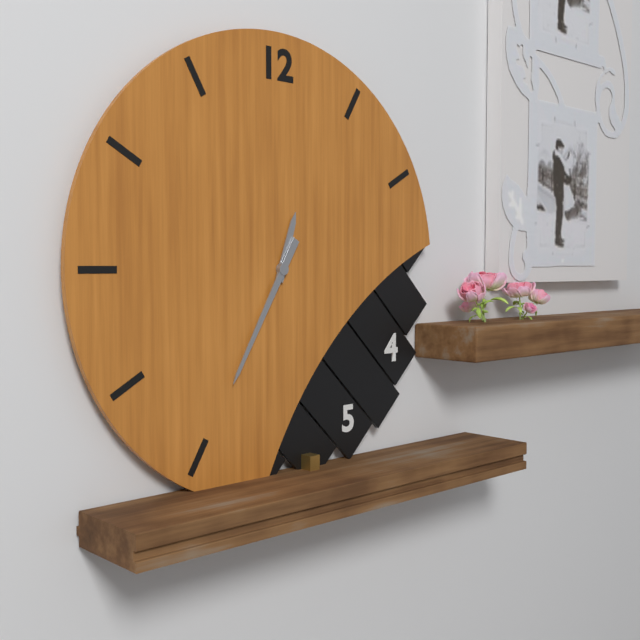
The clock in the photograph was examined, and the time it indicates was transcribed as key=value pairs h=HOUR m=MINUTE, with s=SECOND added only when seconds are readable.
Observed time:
h=12 m=35
